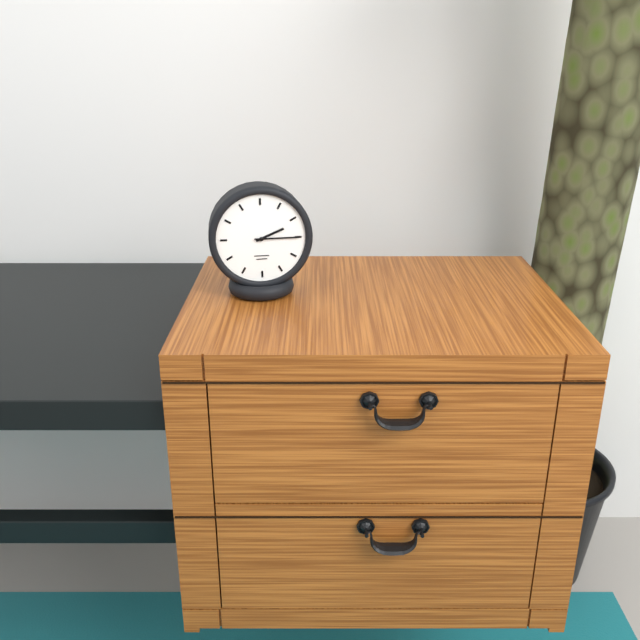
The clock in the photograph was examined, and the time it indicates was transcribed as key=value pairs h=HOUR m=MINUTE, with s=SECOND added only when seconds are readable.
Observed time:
h=2 m=15
